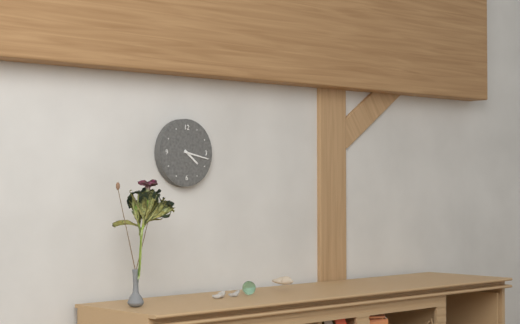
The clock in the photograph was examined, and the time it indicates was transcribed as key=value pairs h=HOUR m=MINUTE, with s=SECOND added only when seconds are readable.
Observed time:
h=4 m=17
